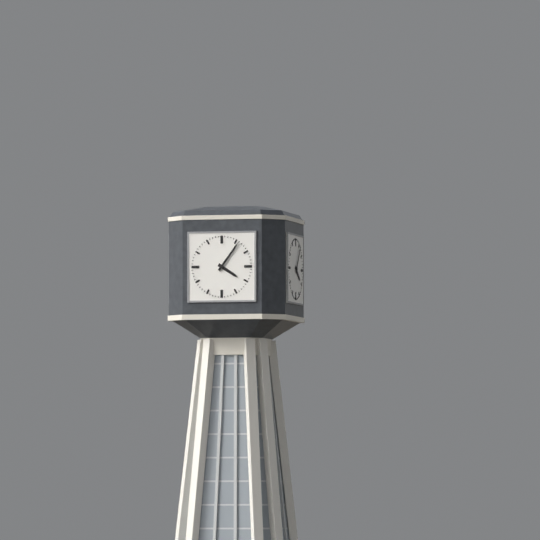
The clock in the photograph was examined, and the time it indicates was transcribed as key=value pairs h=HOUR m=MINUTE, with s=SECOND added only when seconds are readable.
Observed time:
h=4 m=6
